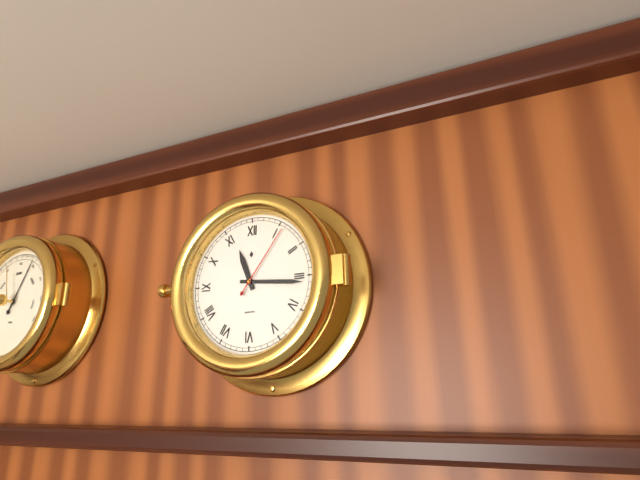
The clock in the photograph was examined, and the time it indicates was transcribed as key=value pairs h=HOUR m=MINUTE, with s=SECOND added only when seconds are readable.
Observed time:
h=11 m=16 s=6
